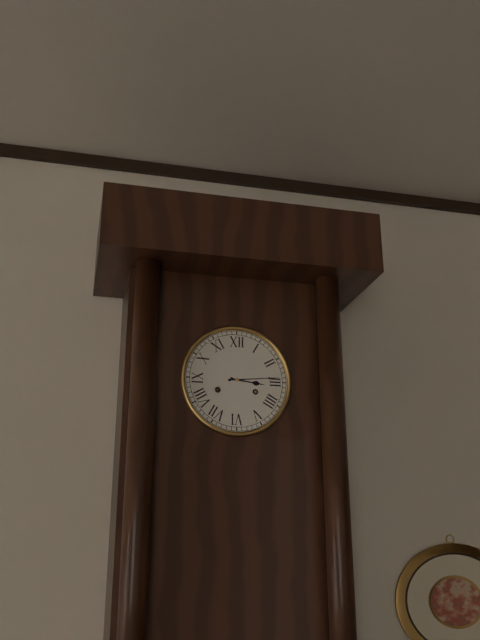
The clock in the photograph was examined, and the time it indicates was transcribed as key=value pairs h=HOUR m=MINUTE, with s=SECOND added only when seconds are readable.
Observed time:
h=3 m=14
